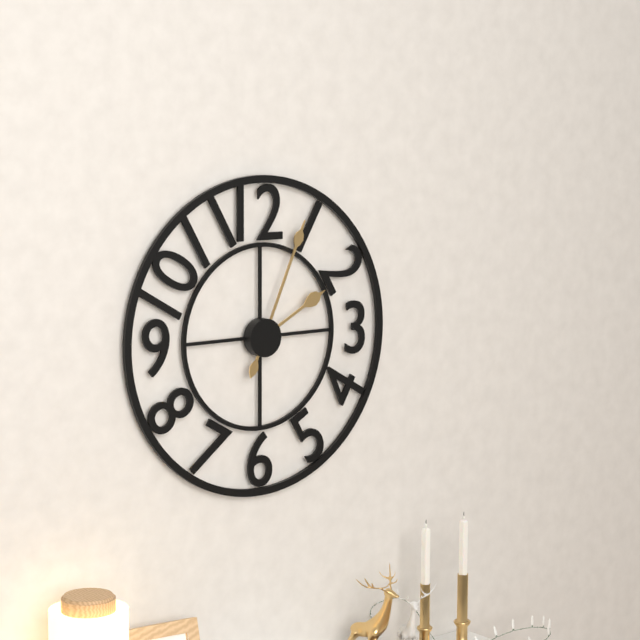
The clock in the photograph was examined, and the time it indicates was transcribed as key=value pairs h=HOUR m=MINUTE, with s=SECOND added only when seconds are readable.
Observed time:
h=2 m=4
